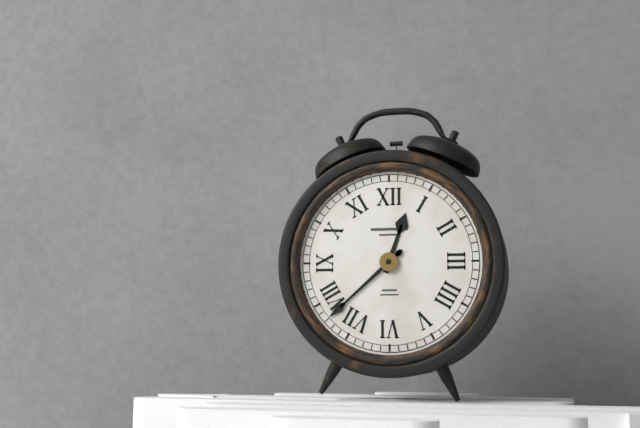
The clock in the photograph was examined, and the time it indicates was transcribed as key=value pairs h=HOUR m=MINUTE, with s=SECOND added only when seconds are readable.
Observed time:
h=12 m=38
